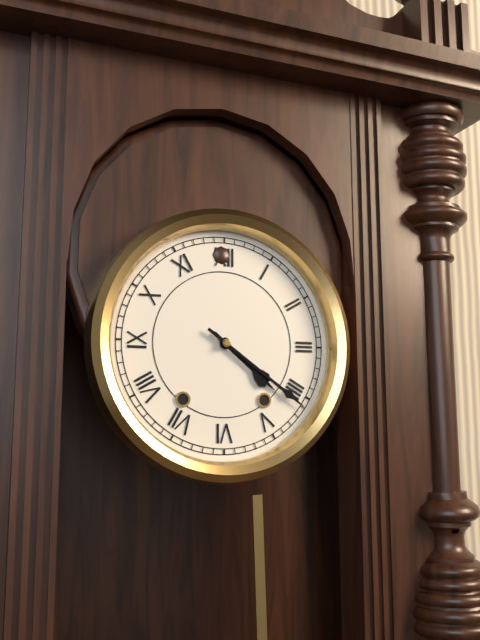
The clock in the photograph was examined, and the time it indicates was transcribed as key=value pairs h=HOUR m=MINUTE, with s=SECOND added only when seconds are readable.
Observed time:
h=4 m=21
